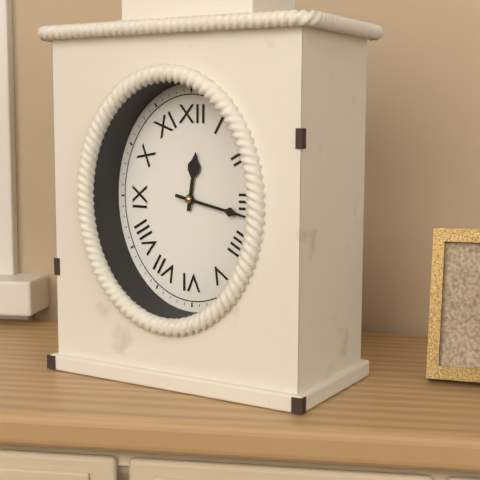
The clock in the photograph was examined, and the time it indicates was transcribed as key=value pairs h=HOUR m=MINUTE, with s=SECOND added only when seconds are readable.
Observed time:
h=12 m=17
